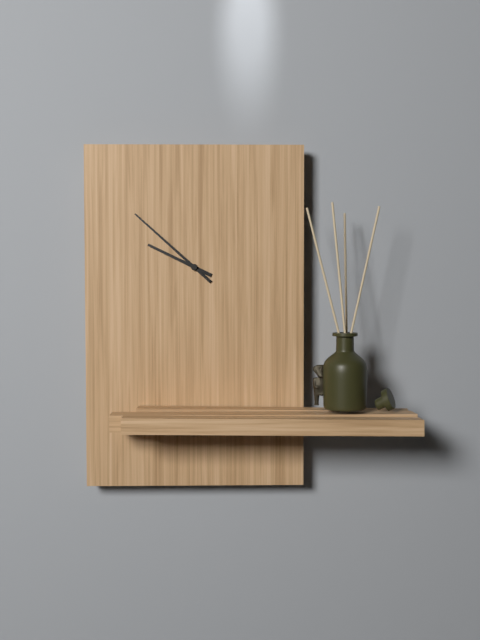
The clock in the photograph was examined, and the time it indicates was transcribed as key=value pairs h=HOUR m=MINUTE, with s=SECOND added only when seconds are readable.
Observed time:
h=9 m=52
